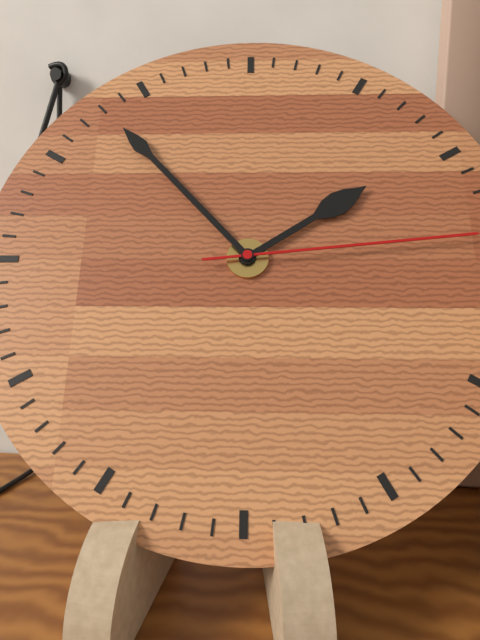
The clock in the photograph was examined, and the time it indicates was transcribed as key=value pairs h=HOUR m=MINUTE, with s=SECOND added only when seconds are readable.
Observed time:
h=1 m=53
